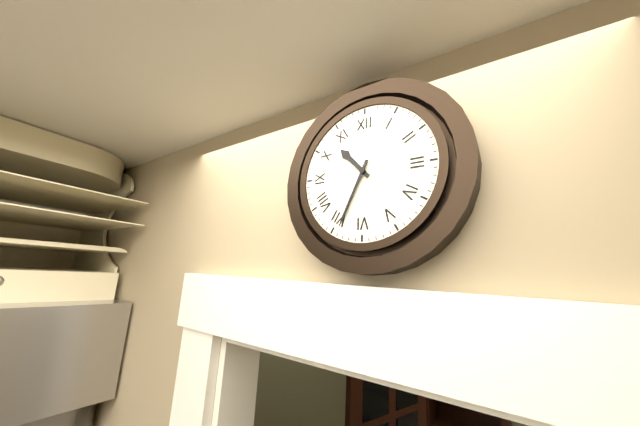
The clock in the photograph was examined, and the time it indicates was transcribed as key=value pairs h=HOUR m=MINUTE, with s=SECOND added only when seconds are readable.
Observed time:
h=10 m=34
